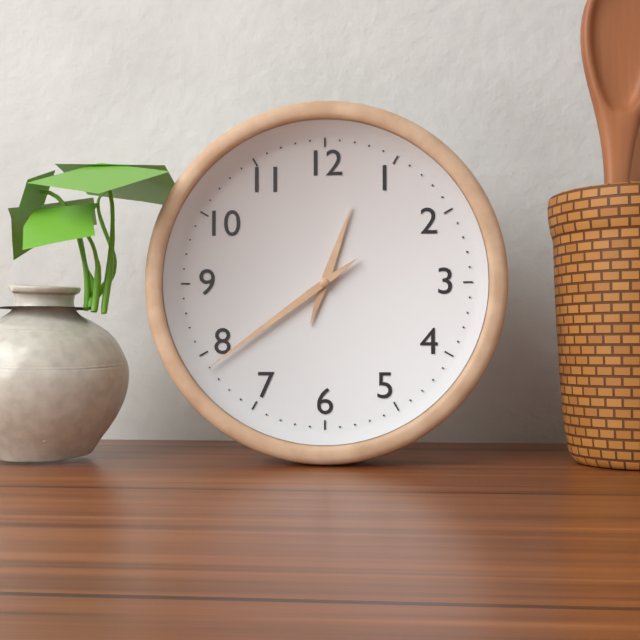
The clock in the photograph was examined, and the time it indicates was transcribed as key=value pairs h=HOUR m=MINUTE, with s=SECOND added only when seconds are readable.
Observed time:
h=12 m=39
